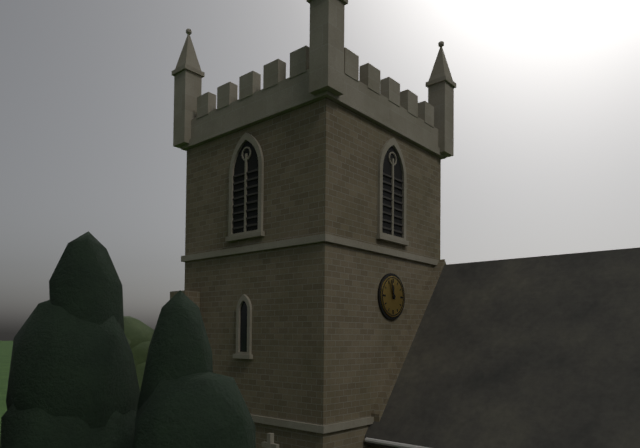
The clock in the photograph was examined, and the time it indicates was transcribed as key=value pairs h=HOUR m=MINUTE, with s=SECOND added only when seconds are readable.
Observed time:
h=11 m=57
